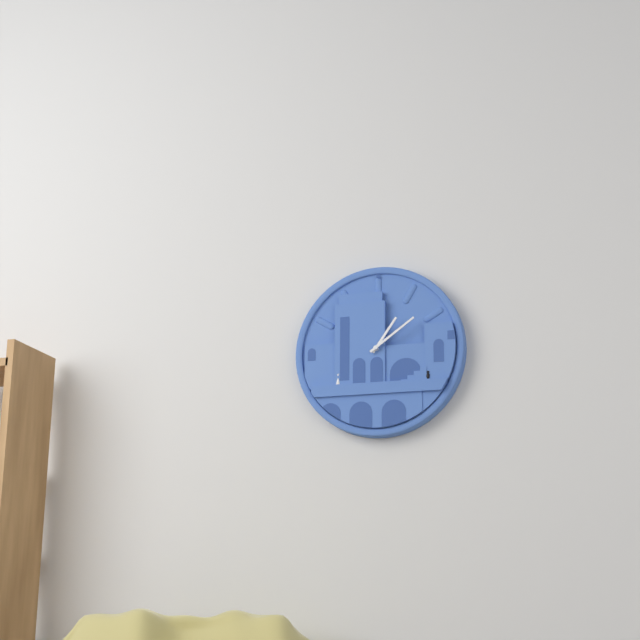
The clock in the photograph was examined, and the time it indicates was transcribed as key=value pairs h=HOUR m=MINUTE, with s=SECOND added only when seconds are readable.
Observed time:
h=1 m=9
